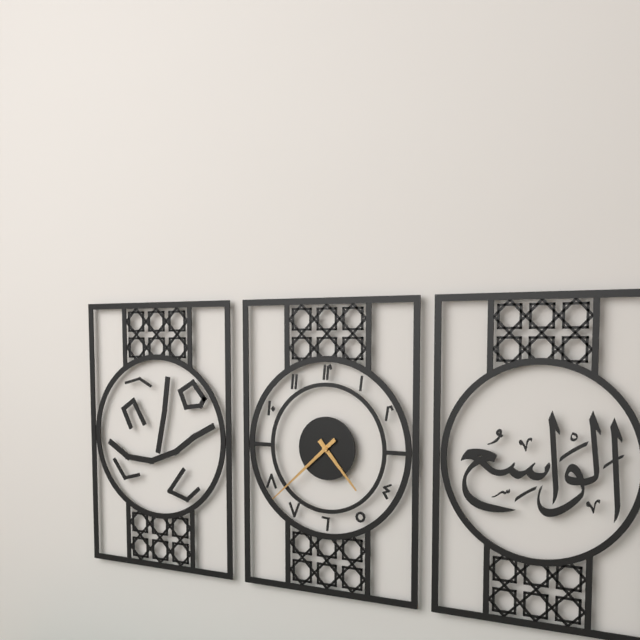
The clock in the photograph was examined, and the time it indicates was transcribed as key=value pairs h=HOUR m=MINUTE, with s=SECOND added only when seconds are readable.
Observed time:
h=4 m=38
